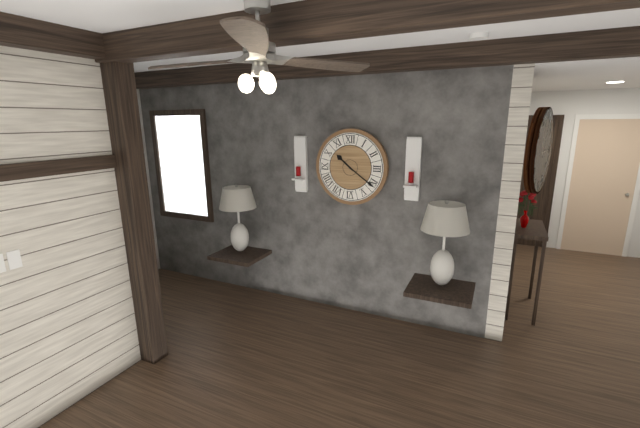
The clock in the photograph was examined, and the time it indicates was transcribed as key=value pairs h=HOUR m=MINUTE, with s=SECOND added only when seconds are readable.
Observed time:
h=10 m=21
